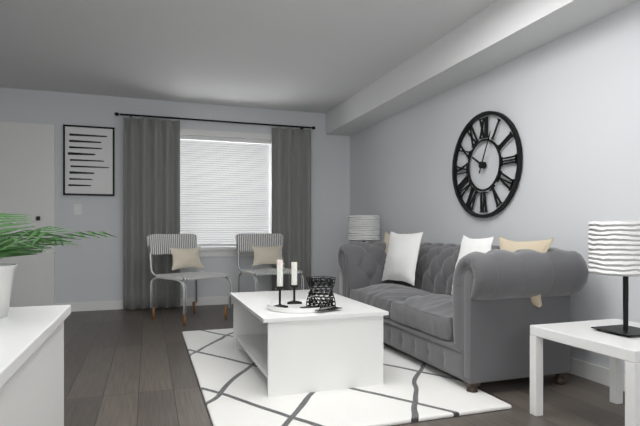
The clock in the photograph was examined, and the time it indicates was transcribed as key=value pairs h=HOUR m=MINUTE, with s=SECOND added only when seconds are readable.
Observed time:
h=10 m=4
